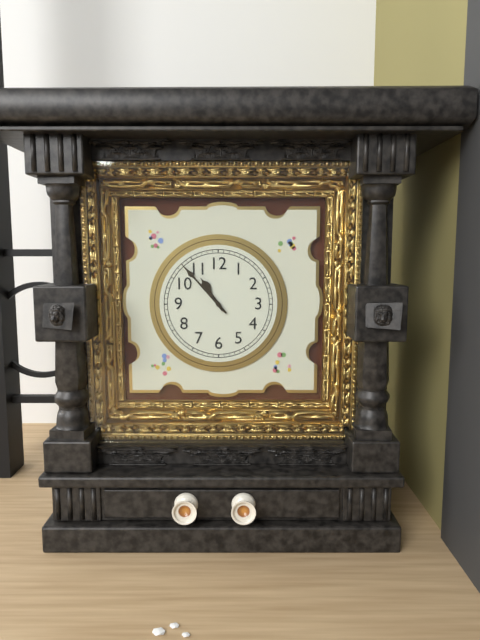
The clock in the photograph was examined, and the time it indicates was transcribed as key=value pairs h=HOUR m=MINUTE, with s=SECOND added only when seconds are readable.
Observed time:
h=10 m=53
